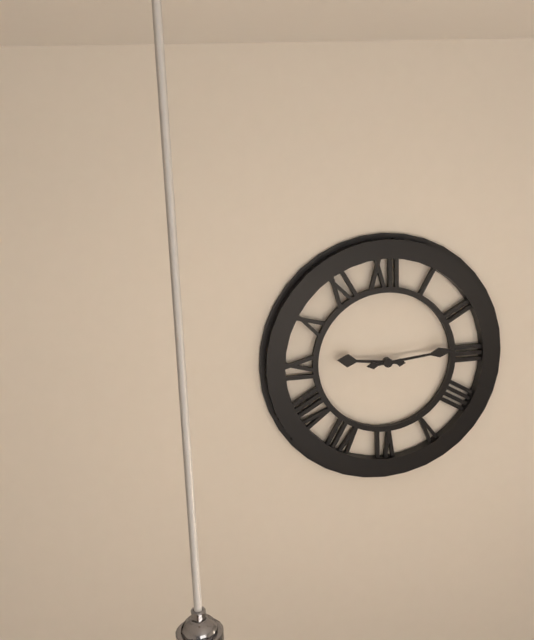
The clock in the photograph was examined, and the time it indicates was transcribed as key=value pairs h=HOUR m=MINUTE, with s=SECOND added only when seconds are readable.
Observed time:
h=9 m=14
